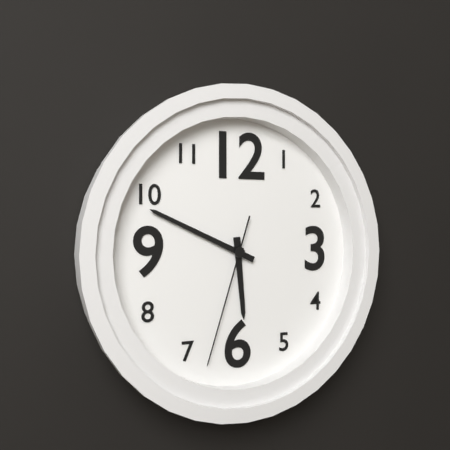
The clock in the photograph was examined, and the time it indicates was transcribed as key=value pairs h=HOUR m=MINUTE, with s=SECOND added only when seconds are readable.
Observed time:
h=5 m=49 s=33
